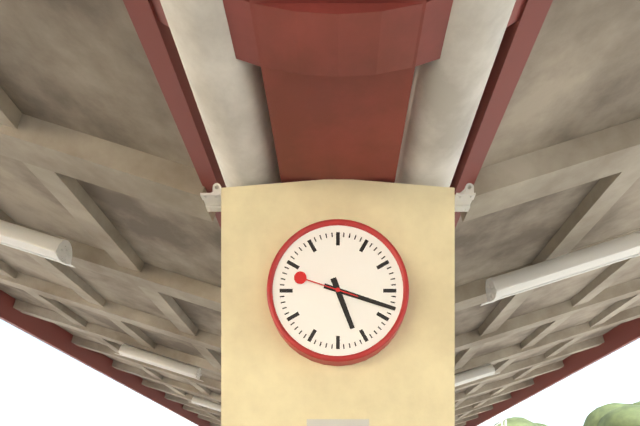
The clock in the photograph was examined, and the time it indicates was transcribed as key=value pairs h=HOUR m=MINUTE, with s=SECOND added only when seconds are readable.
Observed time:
h=5 m=18 s=48
